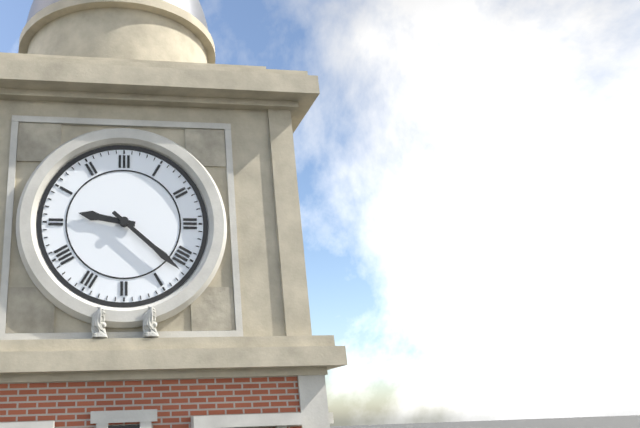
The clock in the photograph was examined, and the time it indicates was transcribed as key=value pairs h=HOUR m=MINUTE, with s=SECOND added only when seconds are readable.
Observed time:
h=9 m=22
